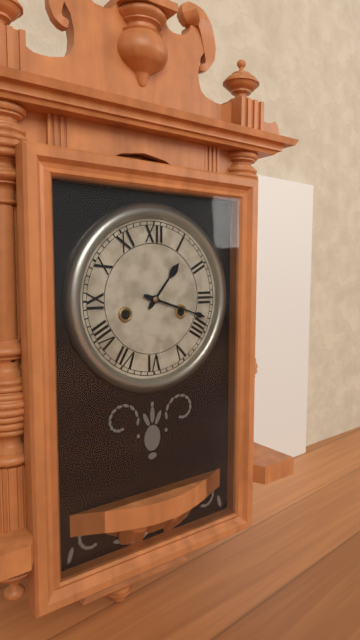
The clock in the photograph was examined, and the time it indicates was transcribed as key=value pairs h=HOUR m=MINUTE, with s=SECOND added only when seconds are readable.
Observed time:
h=1 m=18
